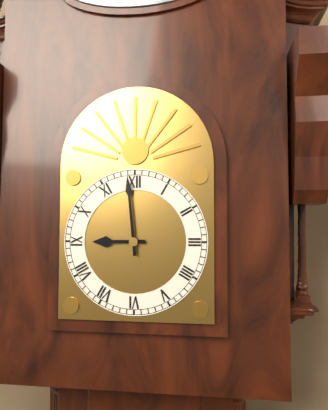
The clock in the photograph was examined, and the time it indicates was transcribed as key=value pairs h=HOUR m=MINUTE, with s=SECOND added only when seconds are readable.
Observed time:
h=8 m=59
